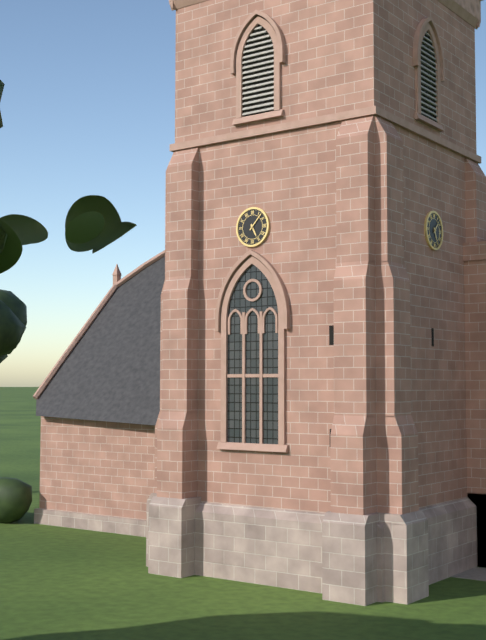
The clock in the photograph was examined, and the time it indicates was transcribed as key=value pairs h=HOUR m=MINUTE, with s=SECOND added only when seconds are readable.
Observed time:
h=5 m=7
